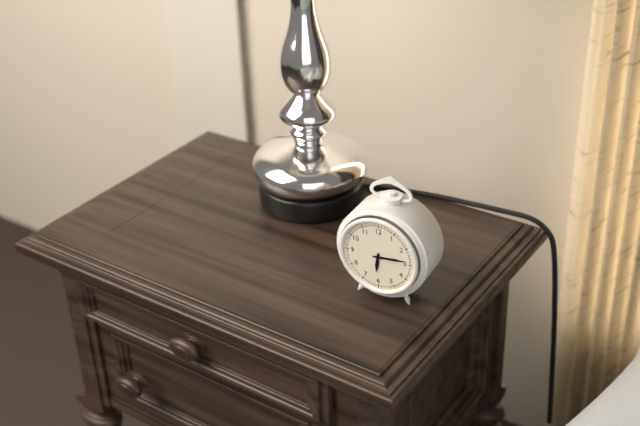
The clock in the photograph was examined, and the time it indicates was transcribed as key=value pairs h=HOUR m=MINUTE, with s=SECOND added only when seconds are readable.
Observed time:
h=6 m=14
